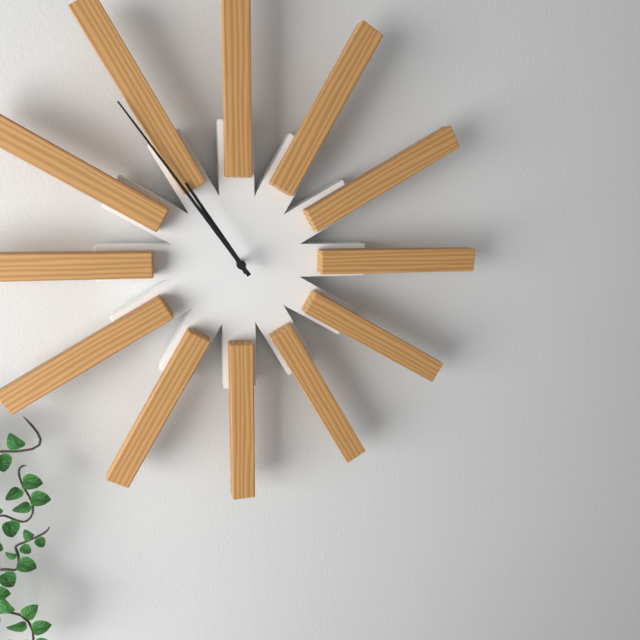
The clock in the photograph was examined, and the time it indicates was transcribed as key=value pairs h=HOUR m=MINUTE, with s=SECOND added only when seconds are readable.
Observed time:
h=10 m=54
